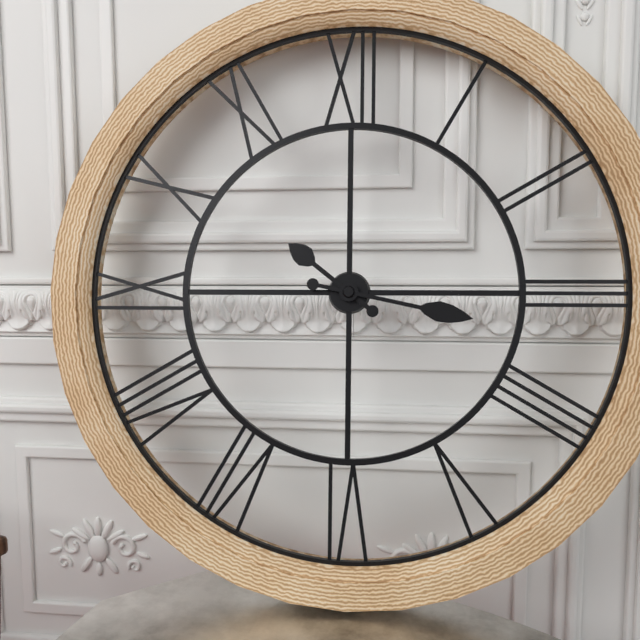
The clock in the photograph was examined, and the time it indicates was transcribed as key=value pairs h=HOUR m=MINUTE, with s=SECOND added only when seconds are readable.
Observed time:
h=10 m=17
